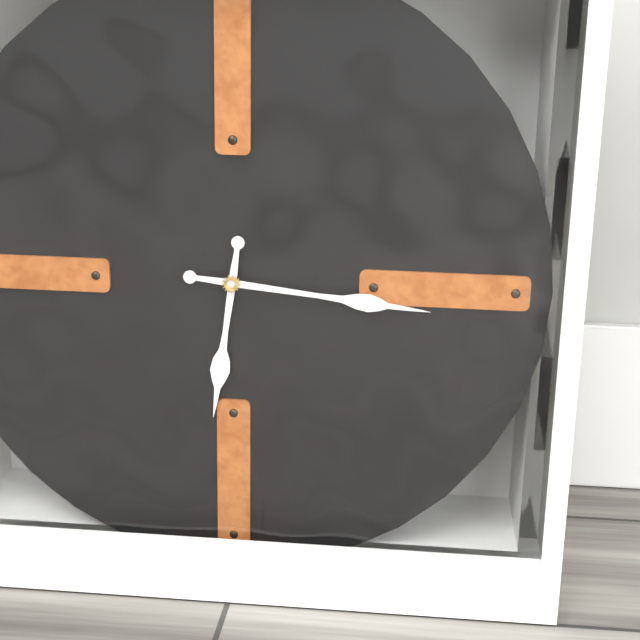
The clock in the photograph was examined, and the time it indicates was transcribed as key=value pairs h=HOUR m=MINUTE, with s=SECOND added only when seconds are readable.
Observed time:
h=6 m=16
